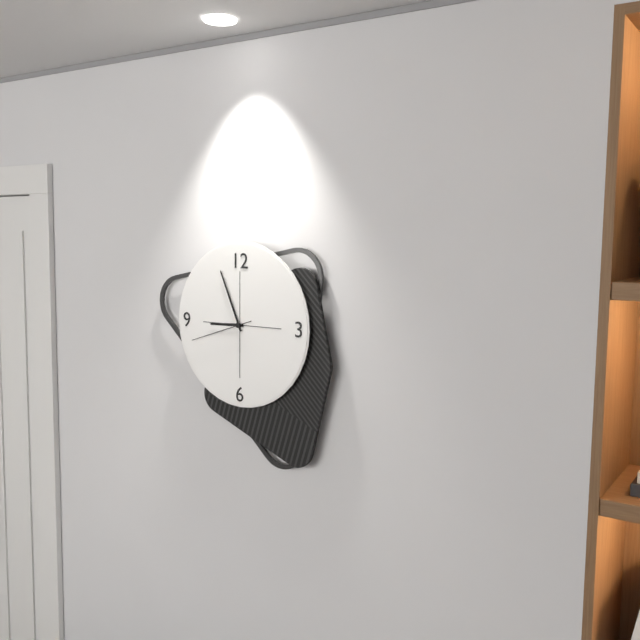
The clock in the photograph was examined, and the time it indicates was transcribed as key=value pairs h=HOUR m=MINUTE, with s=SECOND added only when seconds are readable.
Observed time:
h=8 m=56 s=42
